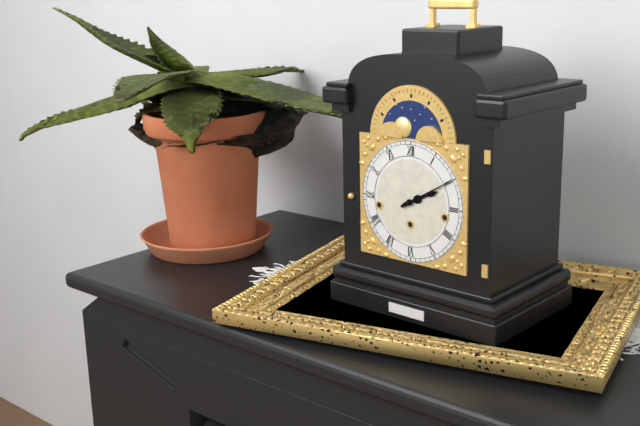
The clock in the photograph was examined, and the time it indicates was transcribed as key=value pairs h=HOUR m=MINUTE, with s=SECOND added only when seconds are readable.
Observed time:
h=2 m=10
